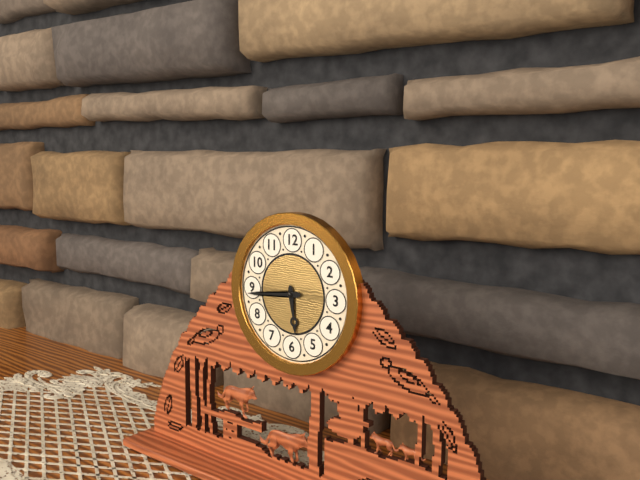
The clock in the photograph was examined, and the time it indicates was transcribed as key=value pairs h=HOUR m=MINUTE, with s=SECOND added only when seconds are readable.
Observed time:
h=5 m=44
